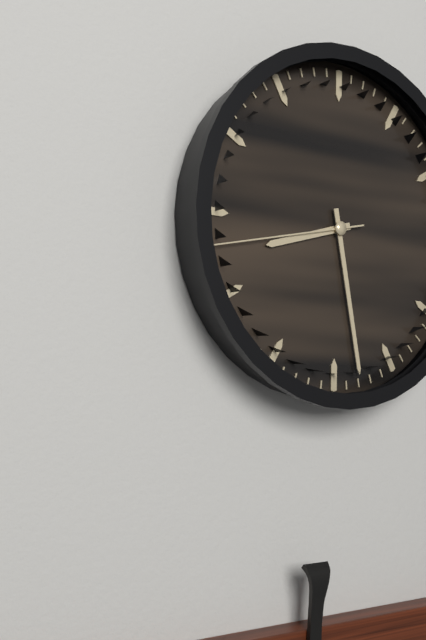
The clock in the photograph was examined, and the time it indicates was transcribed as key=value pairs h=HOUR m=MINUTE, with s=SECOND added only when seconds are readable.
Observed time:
h=8 m=28 s=43
